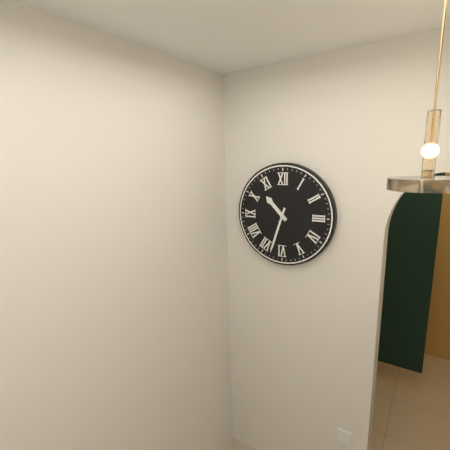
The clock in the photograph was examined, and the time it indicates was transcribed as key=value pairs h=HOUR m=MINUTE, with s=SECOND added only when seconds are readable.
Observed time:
h=10 m=33
